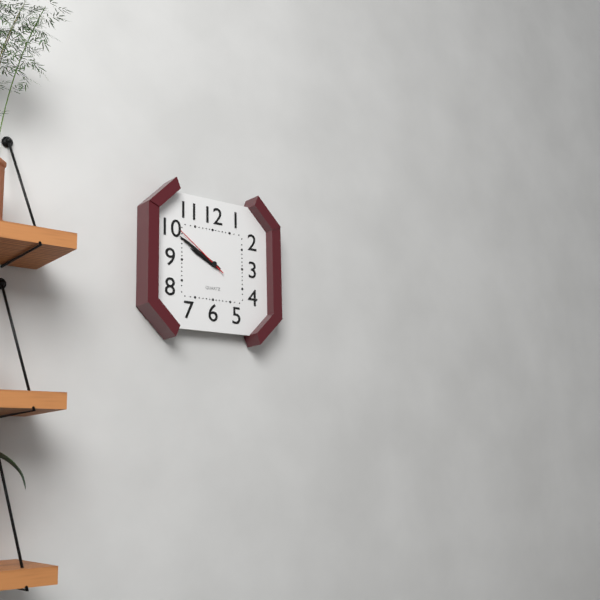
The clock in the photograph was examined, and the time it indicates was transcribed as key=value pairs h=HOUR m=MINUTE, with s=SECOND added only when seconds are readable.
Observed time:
h=9 m=50 s=51
